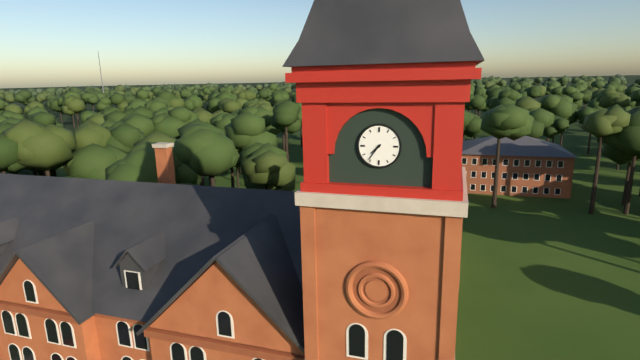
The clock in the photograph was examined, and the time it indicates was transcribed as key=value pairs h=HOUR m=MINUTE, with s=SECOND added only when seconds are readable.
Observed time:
h=7 m=36
